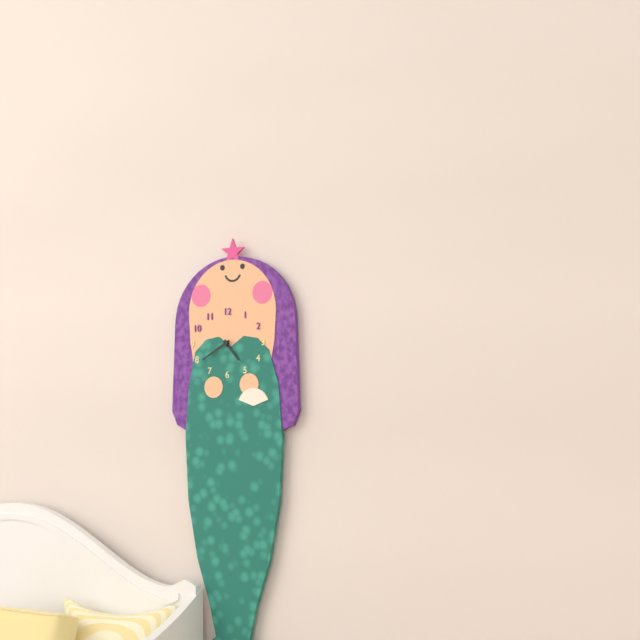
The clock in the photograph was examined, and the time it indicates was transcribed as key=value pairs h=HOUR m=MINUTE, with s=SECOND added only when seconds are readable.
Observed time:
h=4 m=40
